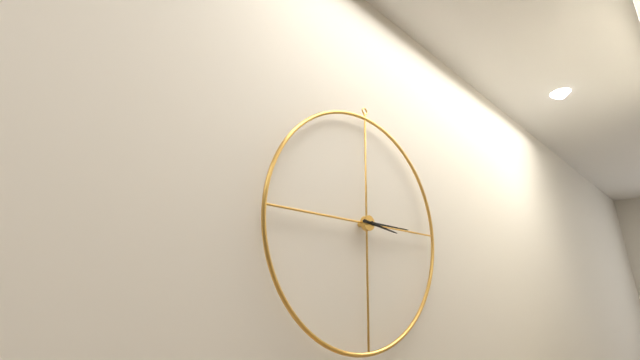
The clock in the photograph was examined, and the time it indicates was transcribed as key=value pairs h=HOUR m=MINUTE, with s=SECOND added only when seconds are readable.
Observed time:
h=3 m=15
